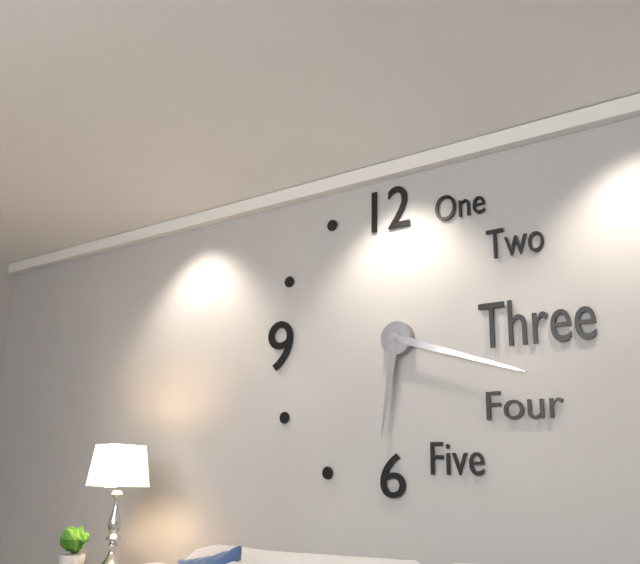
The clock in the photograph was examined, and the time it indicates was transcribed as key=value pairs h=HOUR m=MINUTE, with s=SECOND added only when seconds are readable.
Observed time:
h=6 m=18
